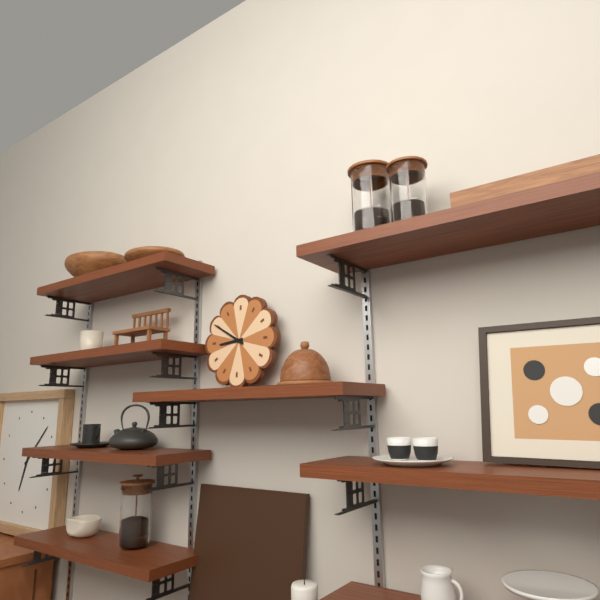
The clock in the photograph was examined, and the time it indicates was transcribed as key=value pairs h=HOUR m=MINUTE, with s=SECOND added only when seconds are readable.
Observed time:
h=8 m=50
